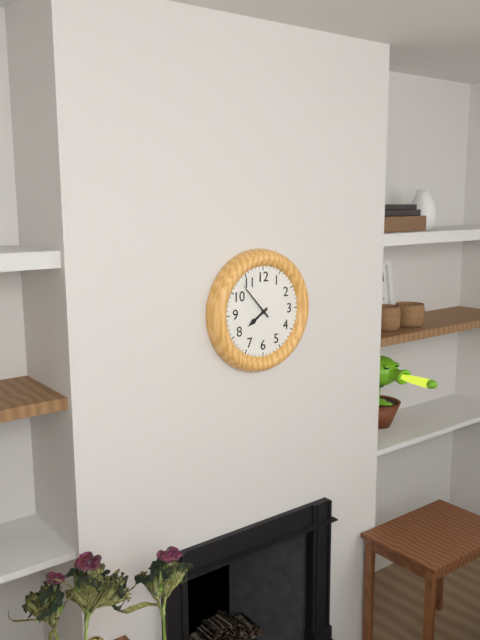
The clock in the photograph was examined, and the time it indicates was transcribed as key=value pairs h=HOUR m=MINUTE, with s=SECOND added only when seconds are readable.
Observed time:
h=7 m=53
